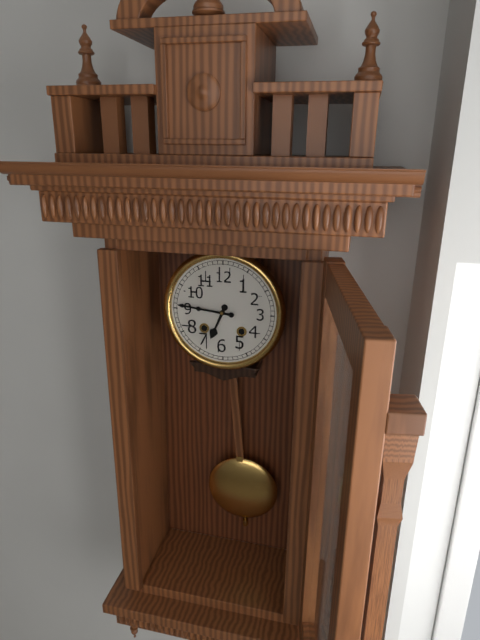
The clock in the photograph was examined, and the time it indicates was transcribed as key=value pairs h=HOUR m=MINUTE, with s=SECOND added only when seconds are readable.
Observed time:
h=6 m=46
